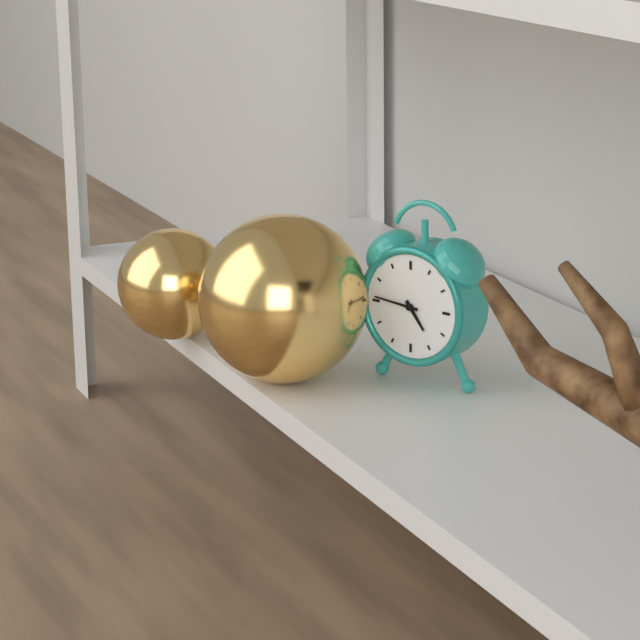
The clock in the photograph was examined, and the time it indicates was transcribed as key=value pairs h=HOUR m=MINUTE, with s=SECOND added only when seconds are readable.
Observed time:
h=4 m=46
